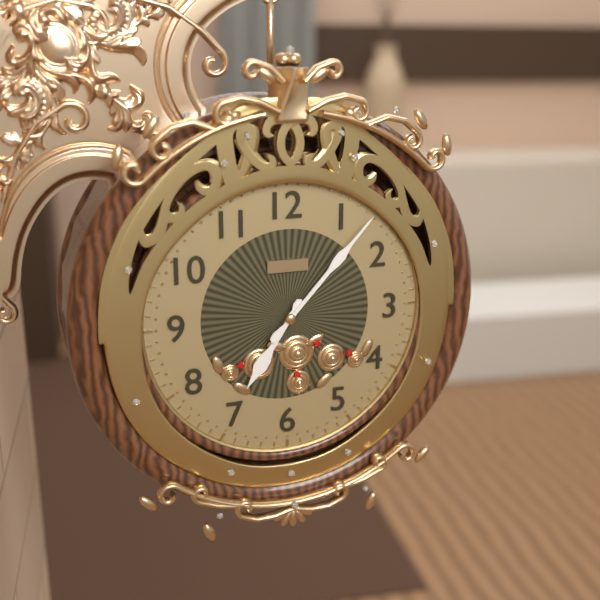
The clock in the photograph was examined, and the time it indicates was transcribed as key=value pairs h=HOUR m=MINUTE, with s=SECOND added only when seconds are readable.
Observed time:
h=7 m=7
